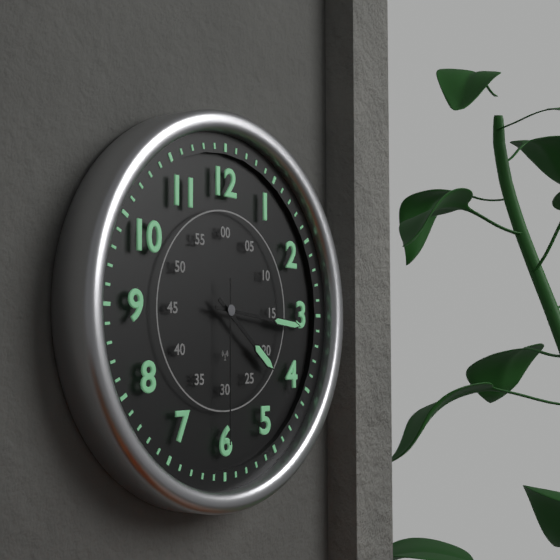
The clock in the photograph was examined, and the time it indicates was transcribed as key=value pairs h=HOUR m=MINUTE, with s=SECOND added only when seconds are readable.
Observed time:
h=4 m=16 s=30
